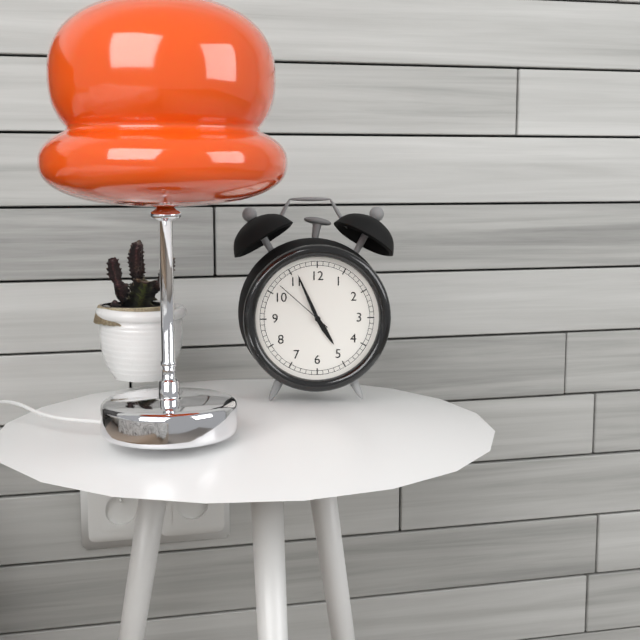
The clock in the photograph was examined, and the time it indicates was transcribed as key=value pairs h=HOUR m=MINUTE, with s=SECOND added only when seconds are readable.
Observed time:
h=4 m=56 s=52
